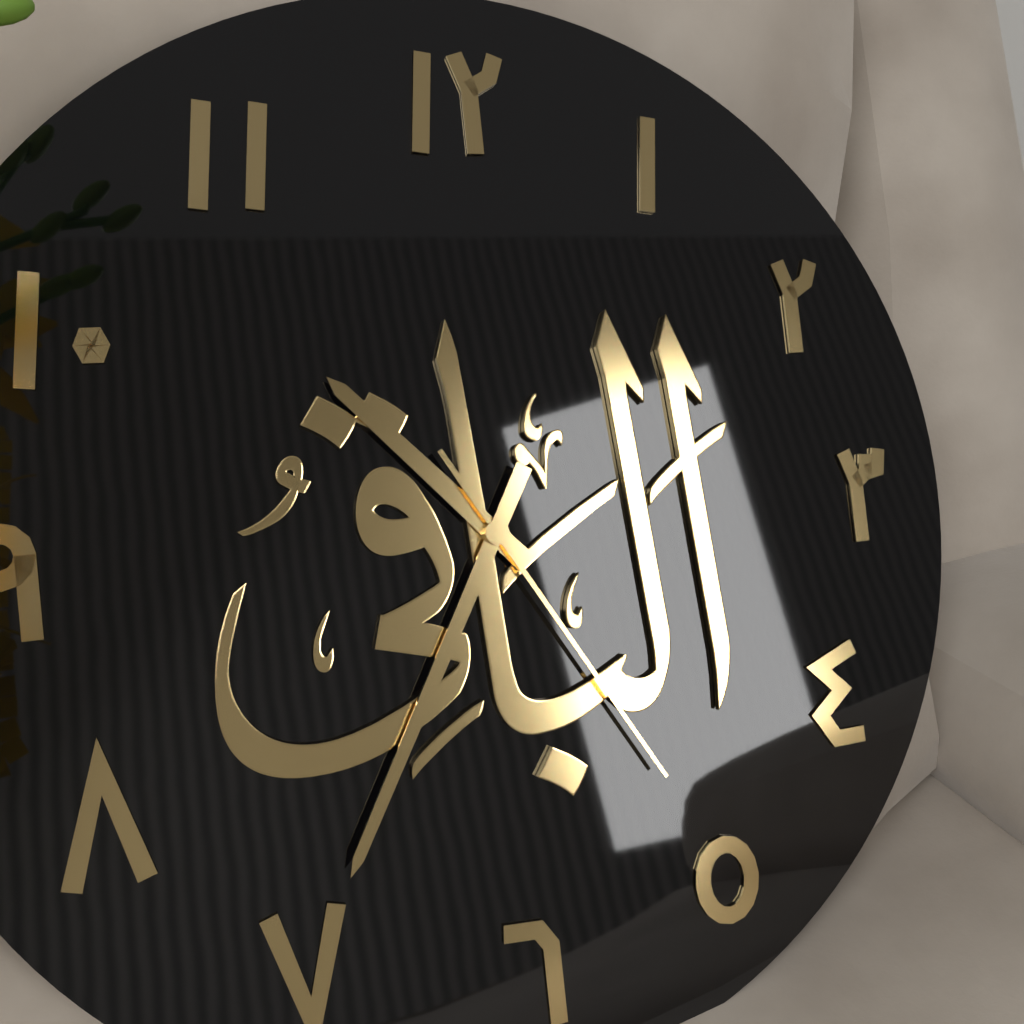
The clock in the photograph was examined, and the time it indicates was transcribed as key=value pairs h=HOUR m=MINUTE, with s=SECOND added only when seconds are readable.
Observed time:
h=10 m=35 s=25
